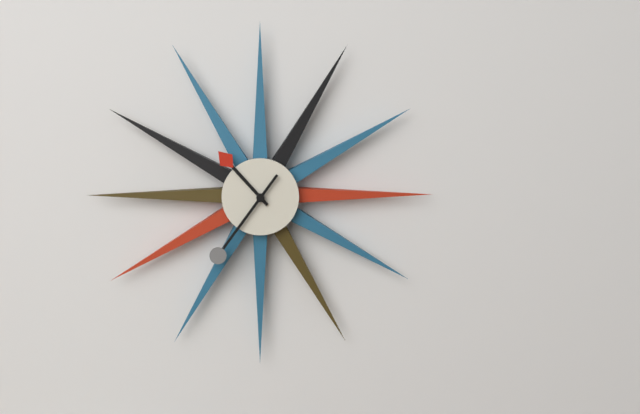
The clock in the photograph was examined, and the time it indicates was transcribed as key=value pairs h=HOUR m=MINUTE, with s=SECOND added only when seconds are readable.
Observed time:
h=10 m=36
